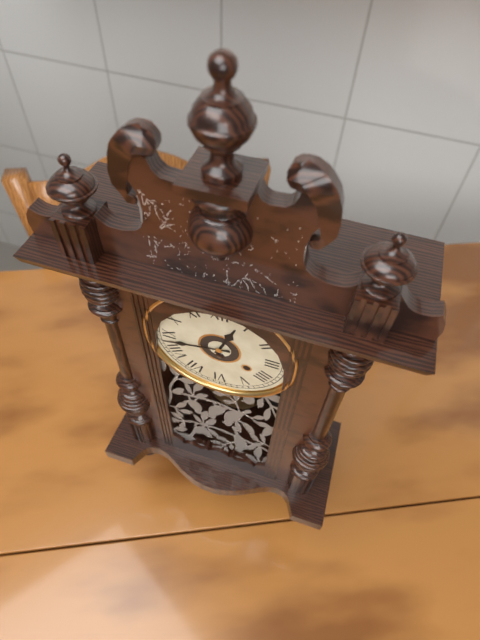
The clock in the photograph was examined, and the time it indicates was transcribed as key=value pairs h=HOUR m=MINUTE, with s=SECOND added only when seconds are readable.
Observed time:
h=12 m=43
